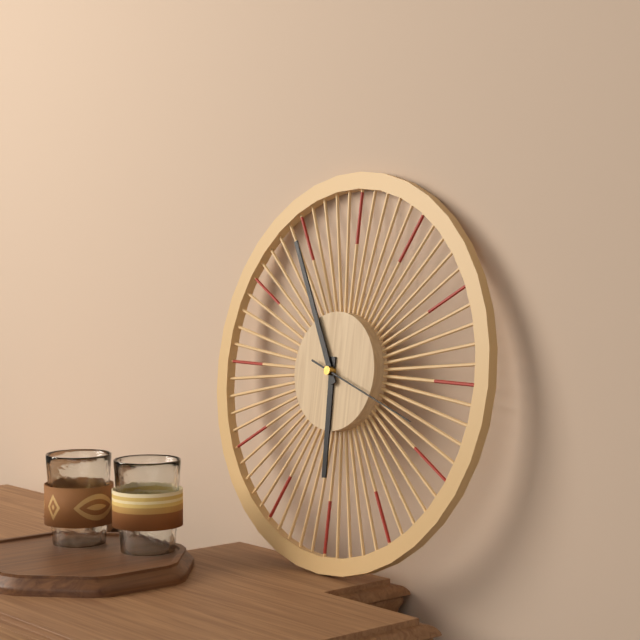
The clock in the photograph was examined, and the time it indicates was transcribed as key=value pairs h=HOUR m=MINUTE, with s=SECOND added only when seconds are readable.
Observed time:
h=5 m=55 s=18
